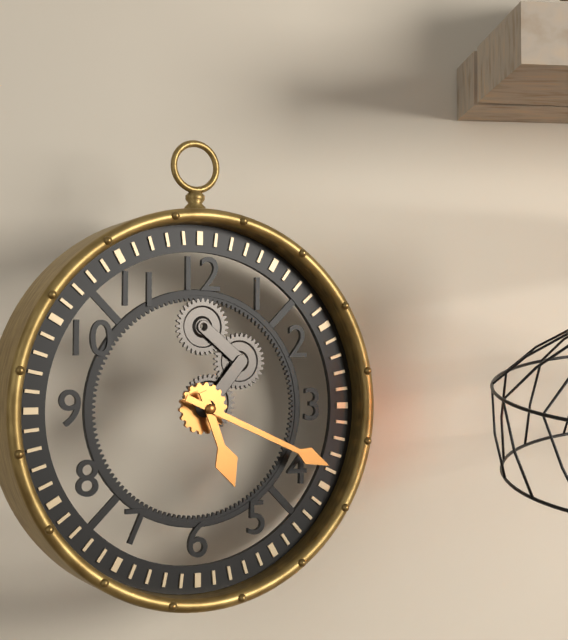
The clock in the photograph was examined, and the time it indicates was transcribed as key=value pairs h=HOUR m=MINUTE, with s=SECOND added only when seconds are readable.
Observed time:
h=5 m=19
